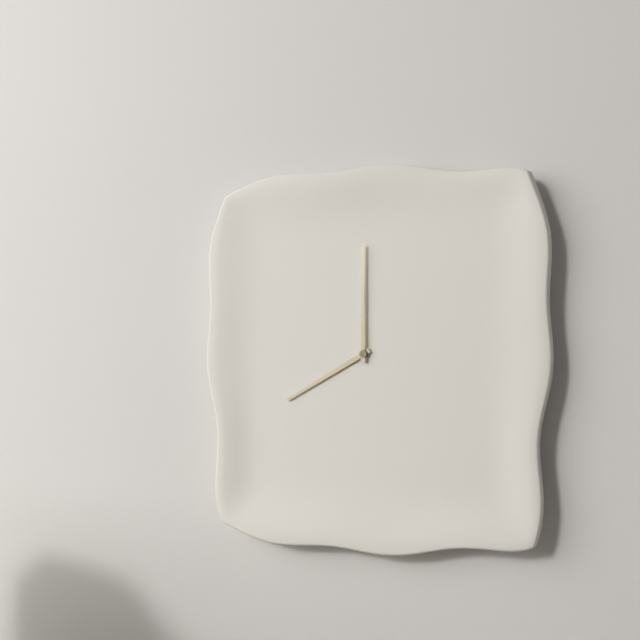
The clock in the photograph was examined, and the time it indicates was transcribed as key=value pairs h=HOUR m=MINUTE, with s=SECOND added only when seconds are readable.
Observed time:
h=8 m=0
